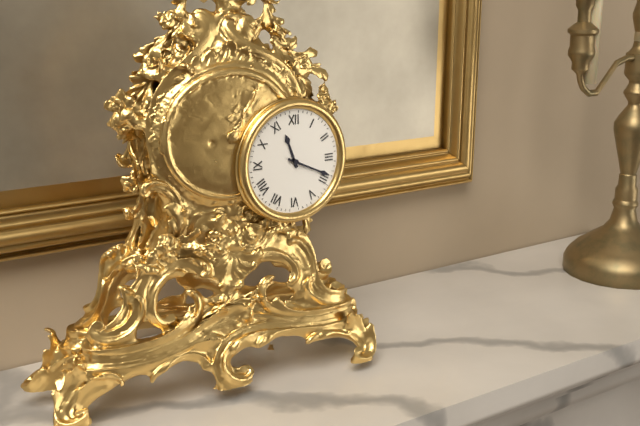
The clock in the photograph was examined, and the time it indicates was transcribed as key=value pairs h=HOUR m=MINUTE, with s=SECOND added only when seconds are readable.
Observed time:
h=11 m=19
